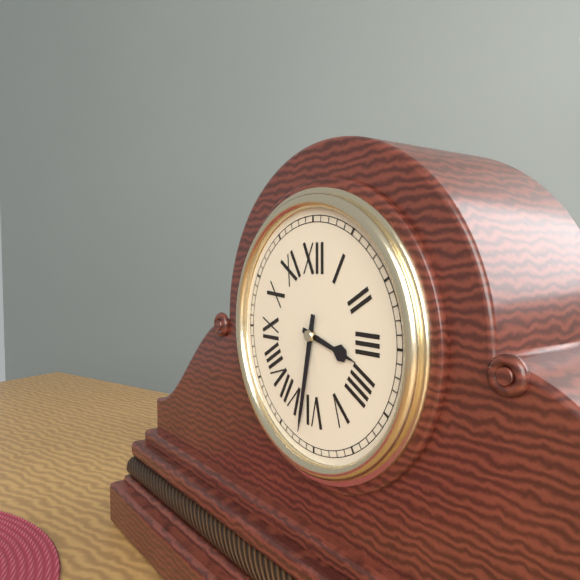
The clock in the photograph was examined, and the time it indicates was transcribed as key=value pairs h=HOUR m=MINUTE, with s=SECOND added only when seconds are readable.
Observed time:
h=3 m=32
